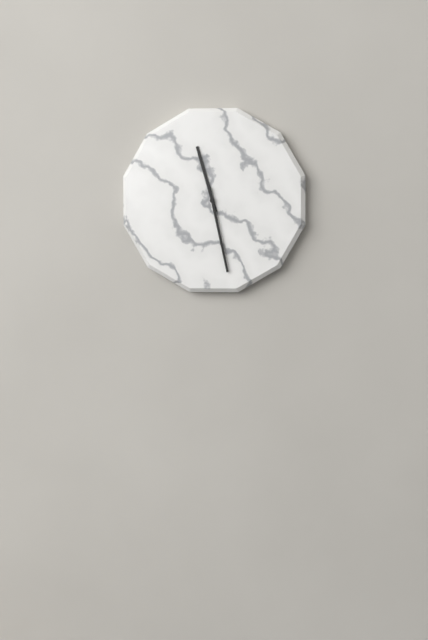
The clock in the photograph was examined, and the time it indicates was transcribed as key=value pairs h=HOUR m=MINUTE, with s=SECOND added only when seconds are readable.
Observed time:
h=11 m=28
